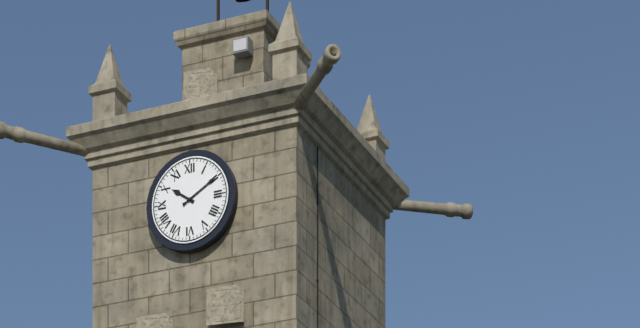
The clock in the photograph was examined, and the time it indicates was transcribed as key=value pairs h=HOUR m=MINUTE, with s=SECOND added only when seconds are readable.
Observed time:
h=10 m=10
